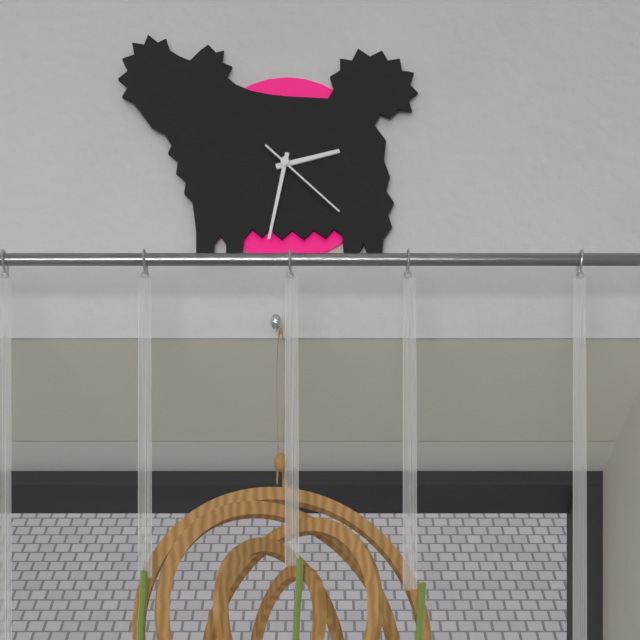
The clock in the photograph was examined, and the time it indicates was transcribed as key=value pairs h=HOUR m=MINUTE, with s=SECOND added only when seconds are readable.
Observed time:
h=2 m=32 s=22
